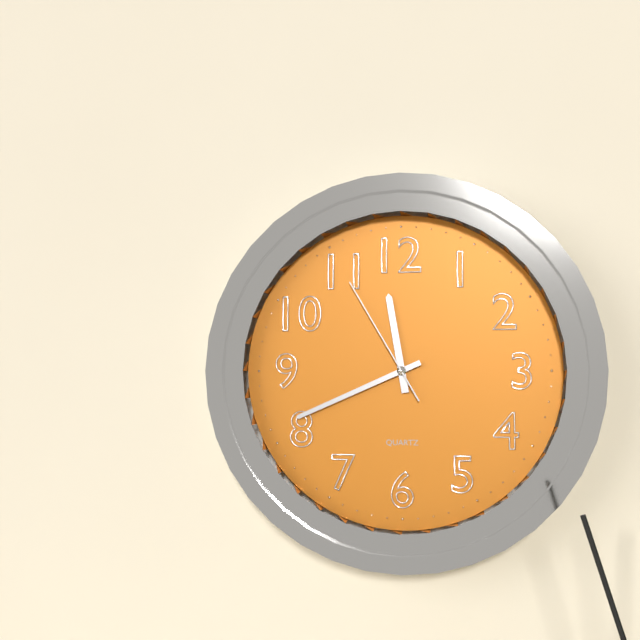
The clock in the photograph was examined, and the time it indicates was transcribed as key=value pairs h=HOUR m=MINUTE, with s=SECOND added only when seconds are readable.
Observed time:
h=11 m=41 s=55
